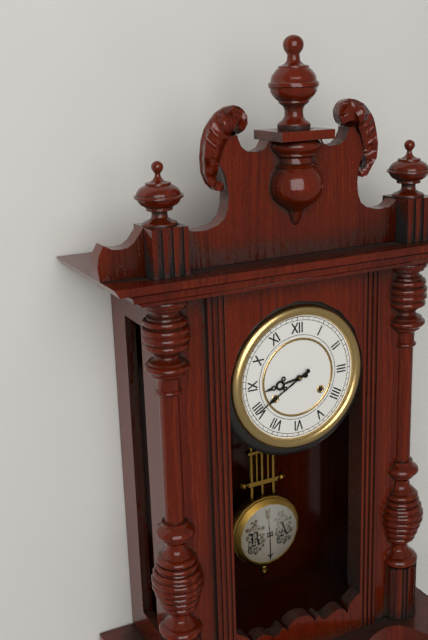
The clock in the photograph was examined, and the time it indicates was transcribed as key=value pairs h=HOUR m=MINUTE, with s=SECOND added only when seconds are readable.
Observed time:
h=8 m=40
